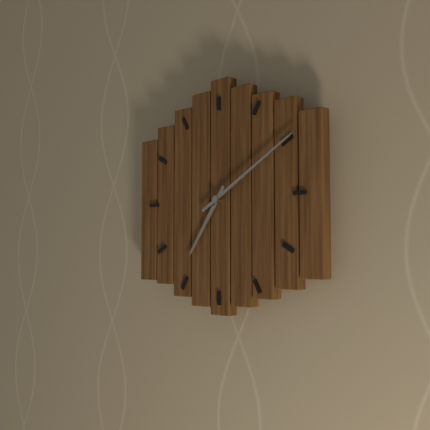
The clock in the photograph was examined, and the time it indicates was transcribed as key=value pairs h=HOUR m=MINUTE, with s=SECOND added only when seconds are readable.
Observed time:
h=7 m=10
